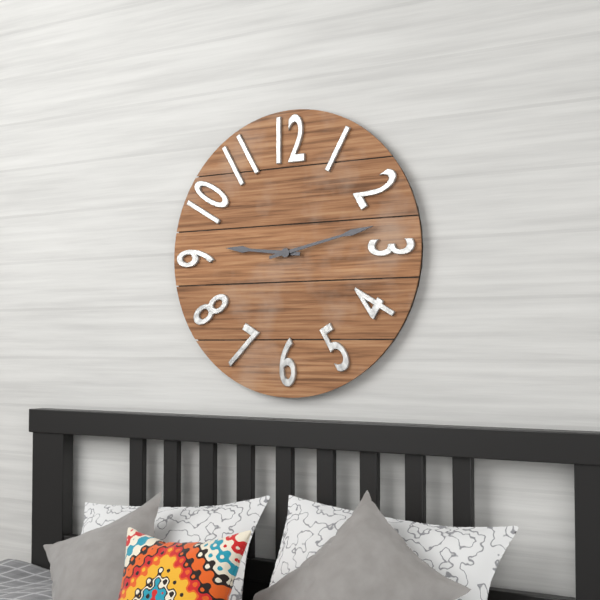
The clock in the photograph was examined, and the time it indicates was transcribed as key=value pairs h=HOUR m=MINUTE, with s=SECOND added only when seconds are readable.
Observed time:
h=9 m=13
